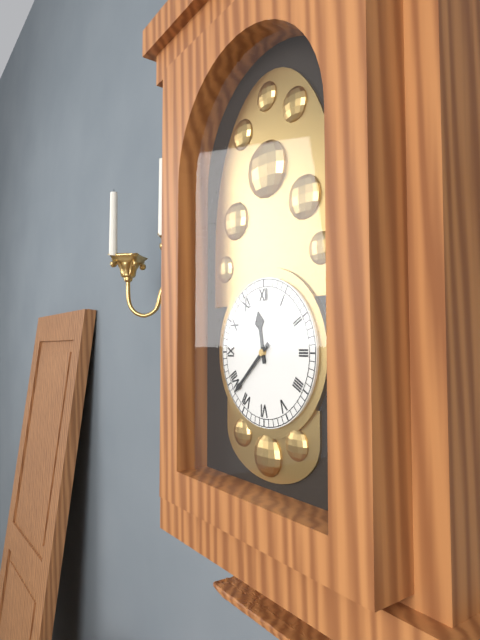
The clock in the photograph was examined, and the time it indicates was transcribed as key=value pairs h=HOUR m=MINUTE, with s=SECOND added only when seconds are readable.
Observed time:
h=11 m=38
